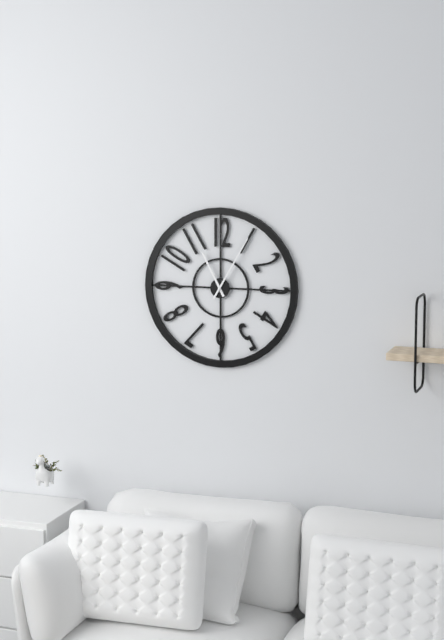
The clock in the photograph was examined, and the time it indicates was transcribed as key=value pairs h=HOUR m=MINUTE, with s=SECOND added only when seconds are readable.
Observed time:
h=11 m=5
